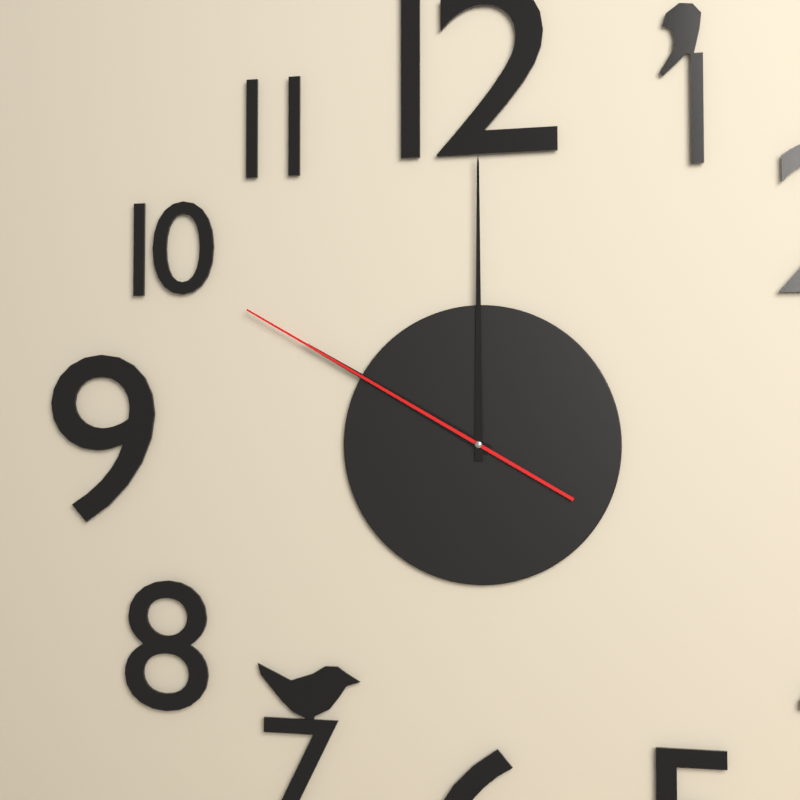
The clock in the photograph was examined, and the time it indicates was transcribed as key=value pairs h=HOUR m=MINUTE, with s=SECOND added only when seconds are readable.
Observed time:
h=10 m=0 s=50
